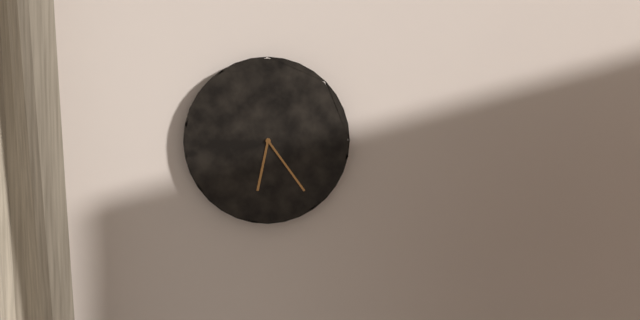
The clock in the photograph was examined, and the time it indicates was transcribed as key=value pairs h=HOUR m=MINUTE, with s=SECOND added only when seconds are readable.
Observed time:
h=6 m=24
